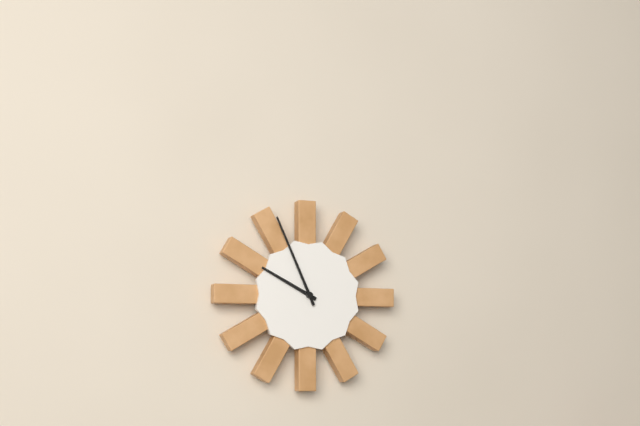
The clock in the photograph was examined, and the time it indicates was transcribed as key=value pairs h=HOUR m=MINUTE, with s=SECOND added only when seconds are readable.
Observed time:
h=9 m=56
